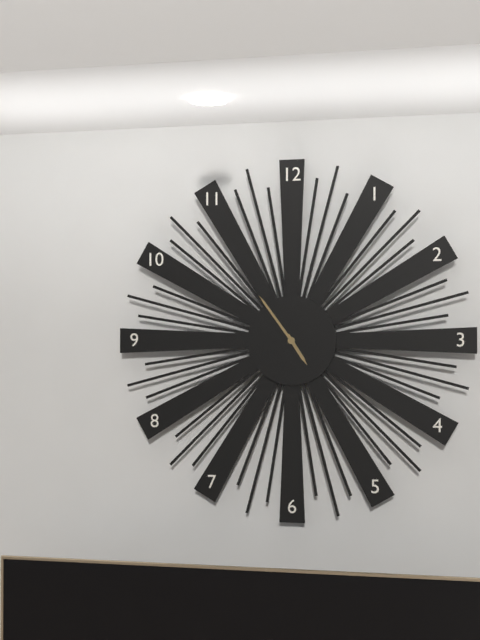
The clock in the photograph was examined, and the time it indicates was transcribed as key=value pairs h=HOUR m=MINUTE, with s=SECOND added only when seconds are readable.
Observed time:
h=4 m=54
